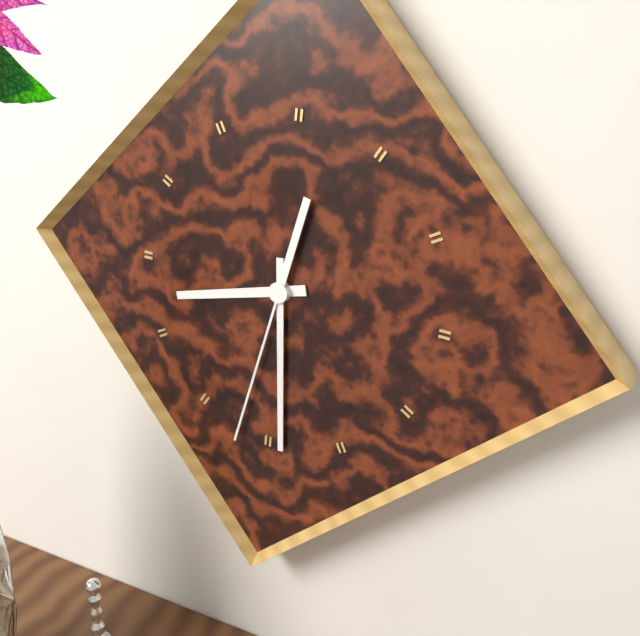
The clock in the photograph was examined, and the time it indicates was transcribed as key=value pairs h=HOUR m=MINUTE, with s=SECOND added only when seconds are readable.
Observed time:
h=8 m=29 s=32
